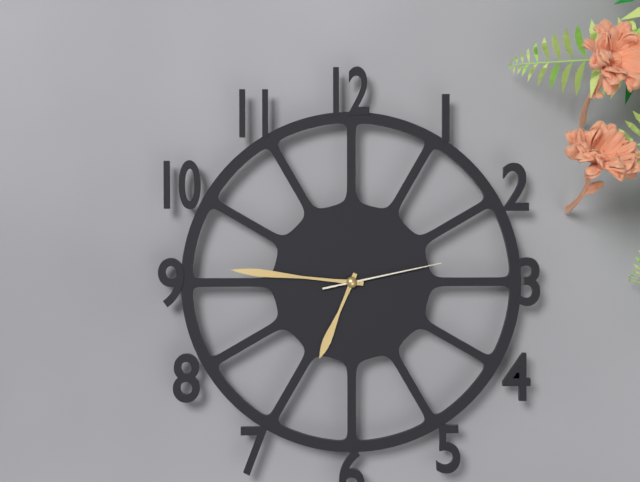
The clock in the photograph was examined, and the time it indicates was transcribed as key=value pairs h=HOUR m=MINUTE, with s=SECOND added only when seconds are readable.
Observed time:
h=6 m=46 s=13
